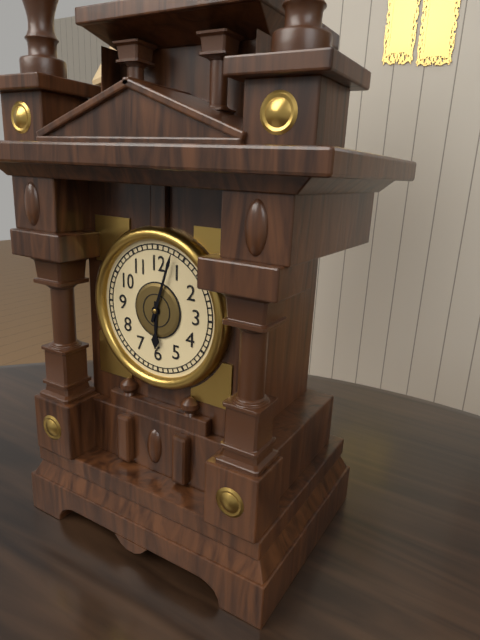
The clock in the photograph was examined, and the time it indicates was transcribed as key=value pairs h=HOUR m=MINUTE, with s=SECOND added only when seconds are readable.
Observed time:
h=6 m=3
